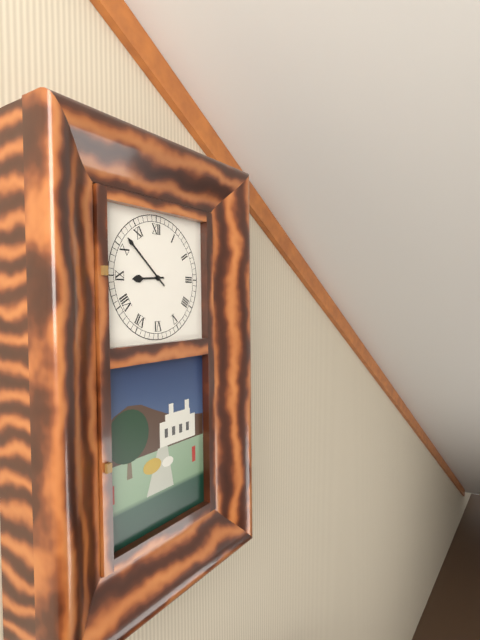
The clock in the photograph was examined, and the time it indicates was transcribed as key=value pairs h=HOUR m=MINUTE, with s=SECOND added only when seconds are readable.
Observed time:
h=8 m=52
